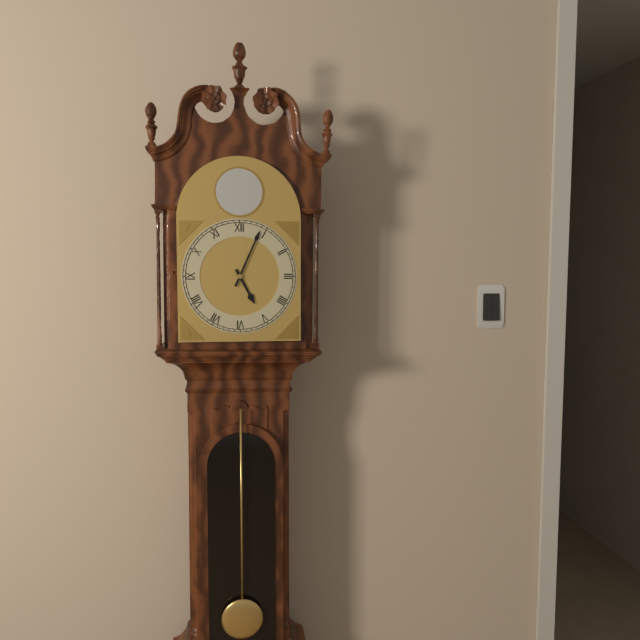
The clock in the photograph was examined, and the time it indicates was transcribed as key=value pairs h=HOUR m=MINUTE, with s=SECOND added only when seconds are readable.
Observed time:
h=5 m=4
